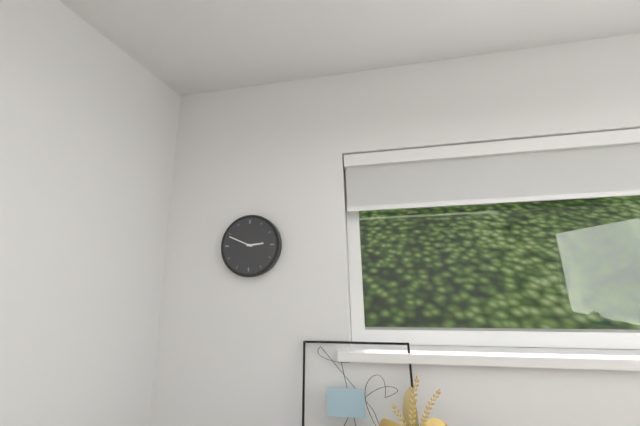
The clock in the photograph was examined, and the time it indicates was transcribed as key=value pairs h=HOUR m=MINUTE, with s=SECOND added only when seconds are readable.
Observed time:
h=2 m=49
